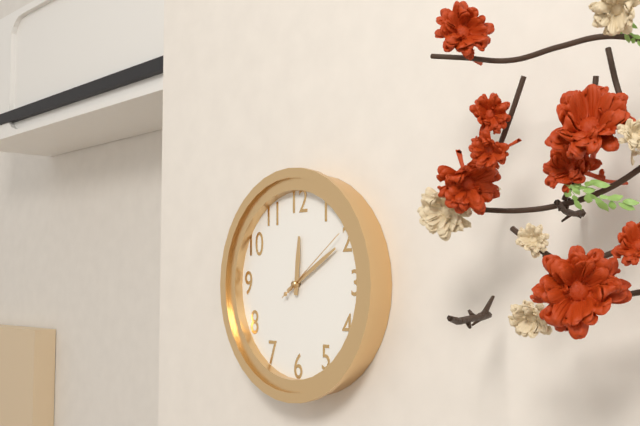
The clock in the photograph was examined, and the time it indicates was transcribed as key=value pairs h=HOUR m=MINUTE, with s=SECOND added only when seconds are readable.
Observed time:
h=12 m=10 s=9
